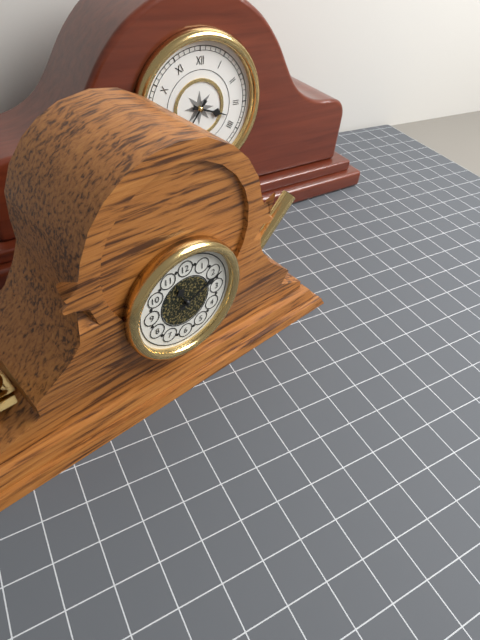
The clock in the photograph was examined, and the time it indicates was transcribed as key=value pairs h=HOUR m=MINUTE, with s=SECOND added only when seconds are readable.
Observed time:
h=11 m=11
